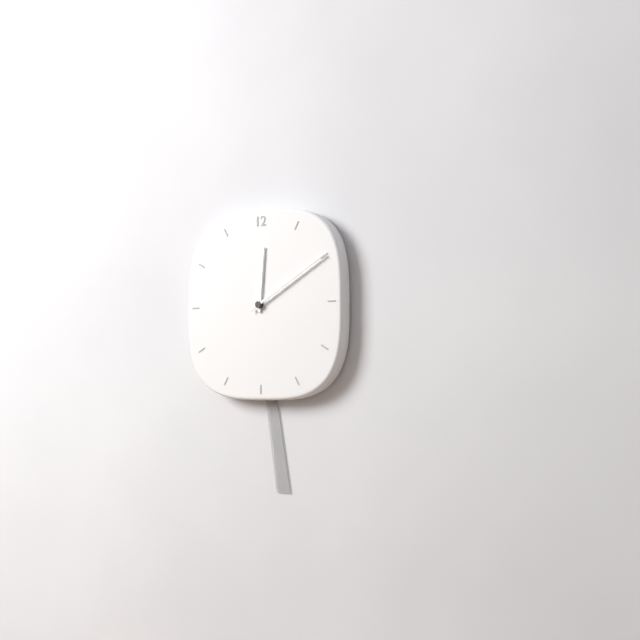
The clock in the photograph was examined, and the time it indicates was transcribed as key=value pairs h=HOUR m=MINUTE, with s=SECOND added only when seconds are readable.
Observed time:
h=12 m=10
